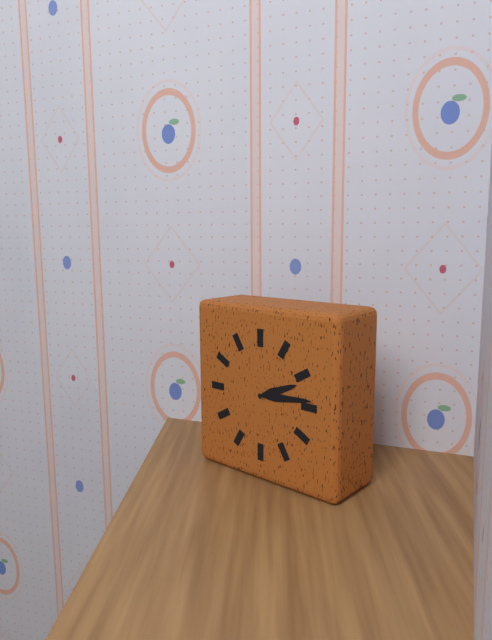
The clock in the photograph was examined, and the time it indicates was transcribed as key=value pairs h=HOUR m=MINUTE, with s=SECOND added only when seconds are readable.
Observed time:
h=2 m=14
